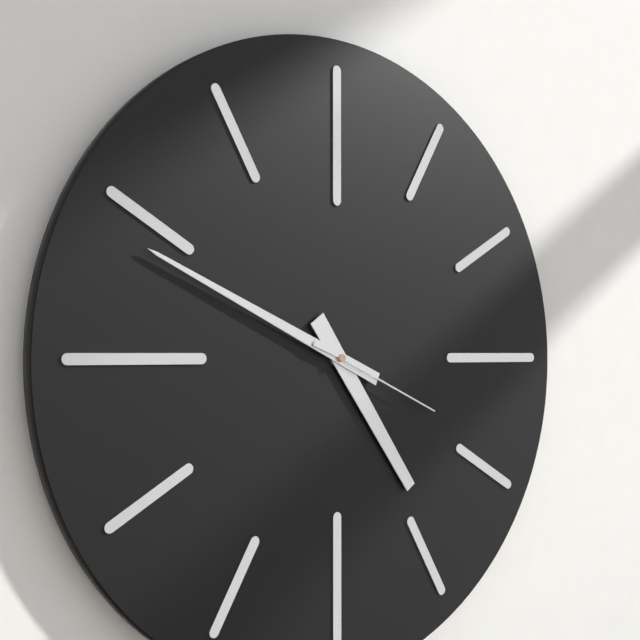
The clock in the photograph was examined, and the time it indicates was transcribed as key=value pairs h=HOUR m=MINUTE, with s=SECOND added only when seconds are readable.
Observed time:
h=4 m=49 s=19
